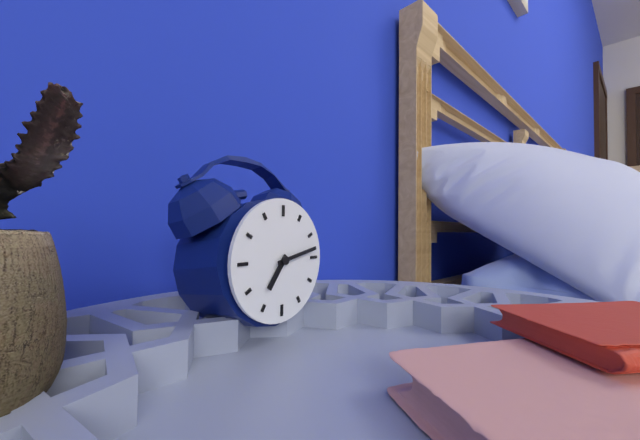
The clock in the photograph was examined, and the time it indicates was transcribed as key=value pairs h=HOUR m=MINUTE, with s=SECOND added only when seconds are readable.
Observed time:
h=7 m=13
